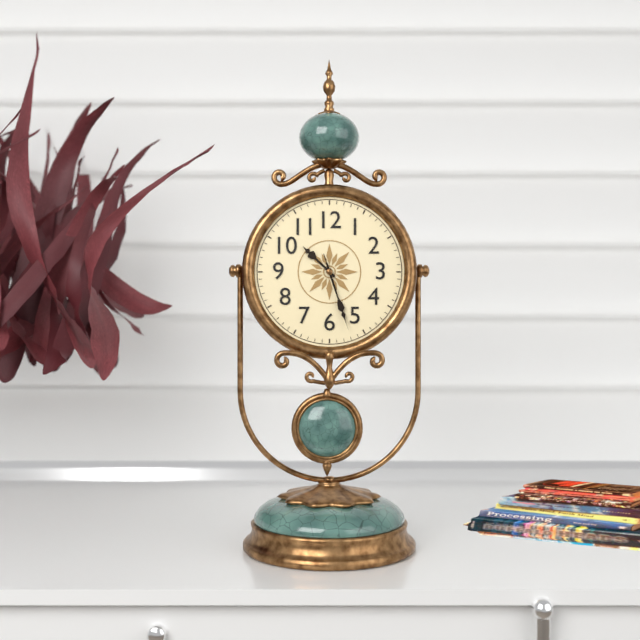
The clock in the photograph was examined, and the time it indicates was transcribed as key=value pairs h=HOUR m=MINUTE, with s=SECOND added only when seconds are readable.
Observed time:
h=10 m=27 s=27
